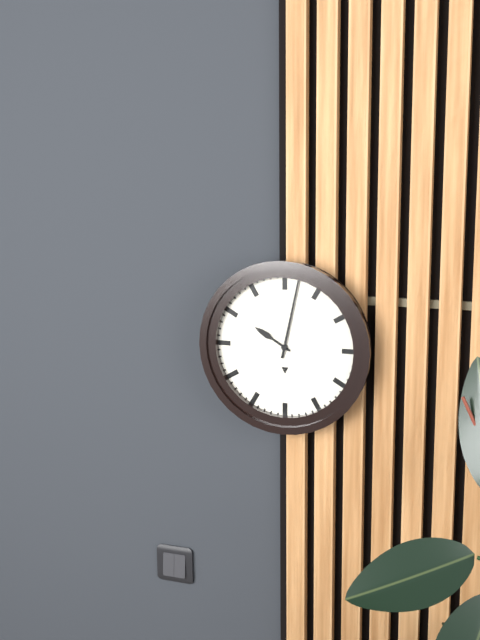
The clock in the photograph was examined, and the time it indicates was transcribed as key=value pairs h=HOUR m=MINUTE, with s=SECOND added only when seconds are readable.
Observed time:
h=10 m=2
